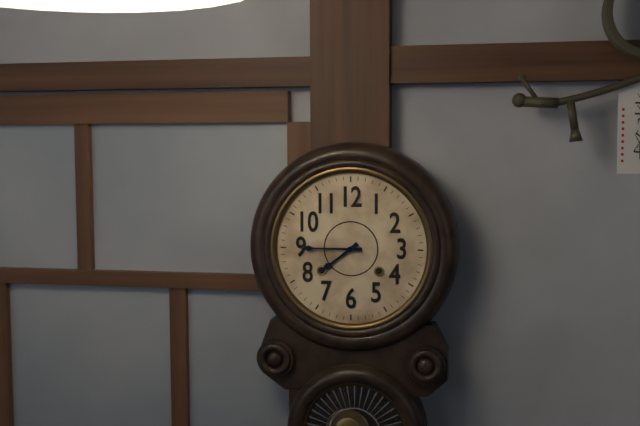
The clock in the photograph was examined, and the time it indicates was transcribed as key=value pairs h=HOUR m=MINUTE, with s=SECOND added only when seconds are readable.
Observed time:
h=7 m=45
